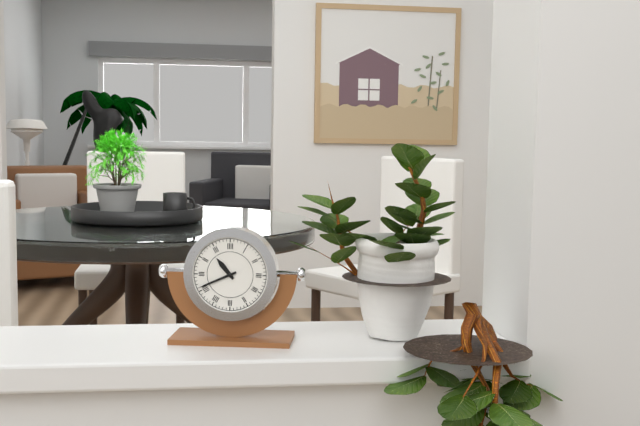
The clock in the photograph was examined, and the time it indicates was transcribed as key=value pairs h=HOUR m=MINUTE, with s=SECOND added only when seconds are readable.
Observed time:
h=10 m=41
